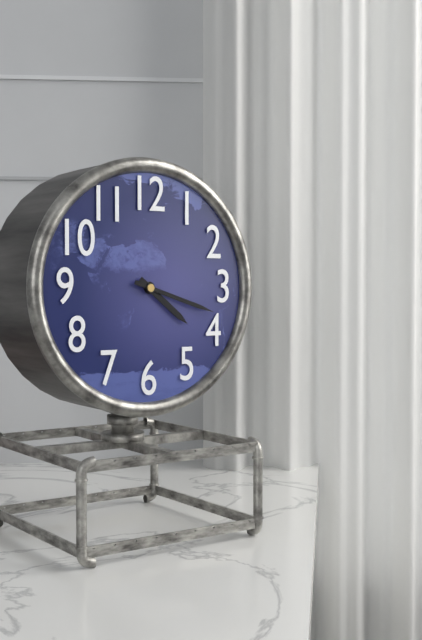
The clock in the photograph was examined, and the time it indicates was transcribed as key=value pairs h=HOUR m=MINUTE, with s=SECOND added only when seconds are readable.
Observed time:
h=4 m=18
